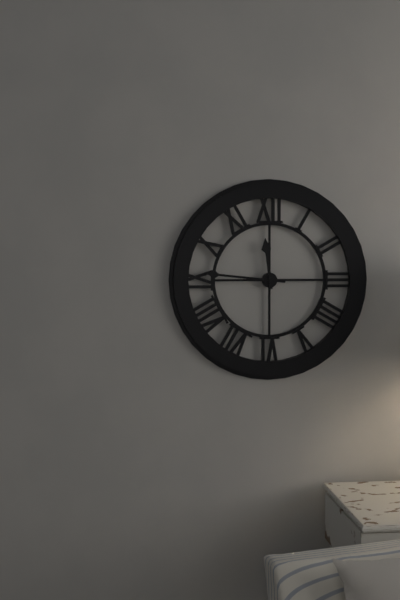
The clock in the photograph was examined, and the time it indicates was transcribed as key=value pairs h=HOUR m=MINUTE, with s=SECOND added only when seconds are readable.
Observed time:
h=11 m=46
